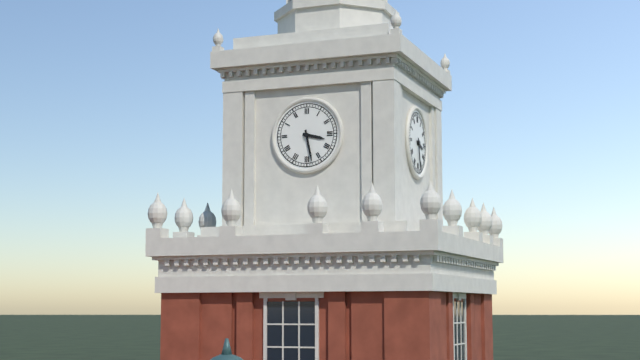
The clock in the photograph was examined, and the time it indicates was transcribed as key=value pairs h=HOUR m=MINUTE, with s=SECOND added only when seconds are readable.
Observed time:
h=3 m=28
